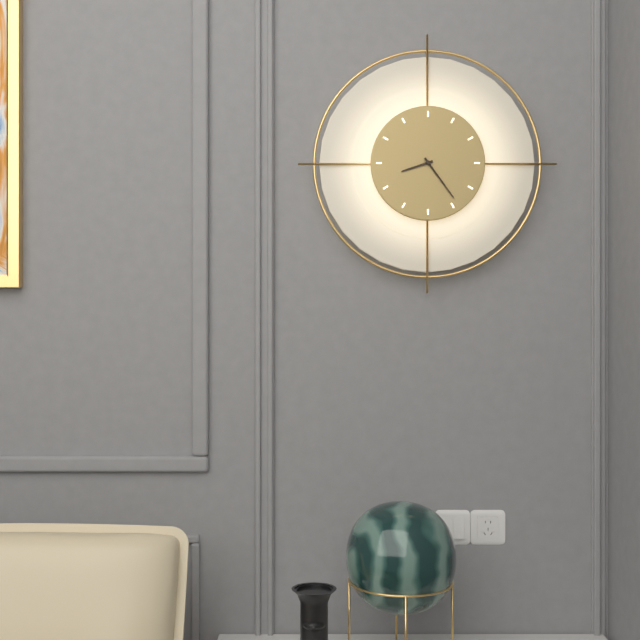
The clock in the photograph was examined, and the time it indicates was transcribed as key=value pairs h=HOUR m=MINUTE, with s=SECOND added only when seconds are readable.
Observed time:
h=8 m=24
